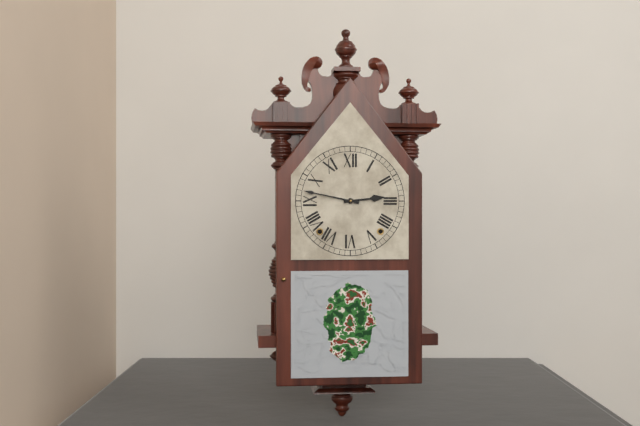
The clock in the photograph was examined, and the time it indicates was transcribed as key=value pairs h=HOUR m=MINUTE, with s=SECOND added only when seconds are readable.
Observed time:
h=2 m=47
